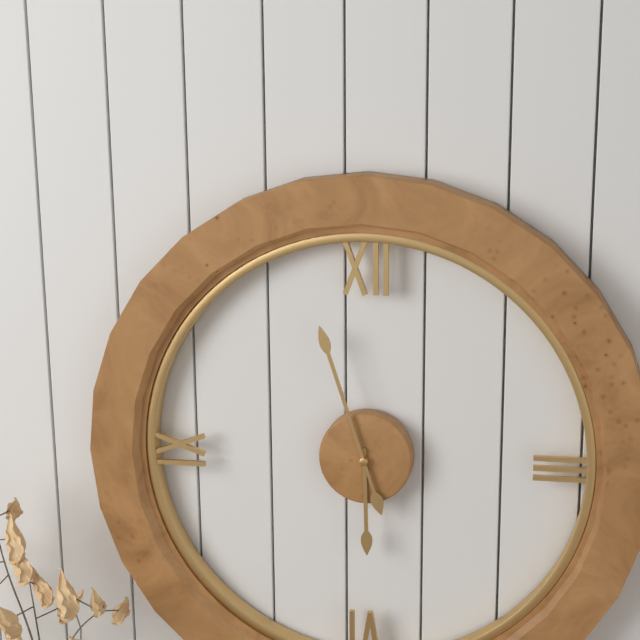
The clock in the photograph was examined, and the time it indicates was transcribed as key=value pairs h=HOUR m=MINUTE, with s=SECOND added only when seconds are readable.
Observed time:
h=5 m=57
